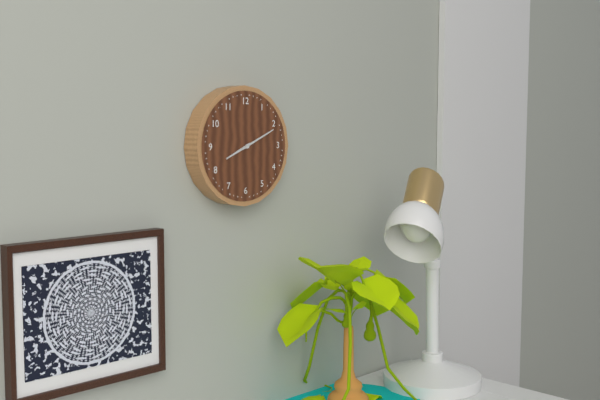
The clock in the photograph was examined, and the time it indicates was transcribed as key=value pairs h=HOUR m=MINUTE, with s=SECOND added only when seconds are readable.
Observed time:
h=8 m=11
